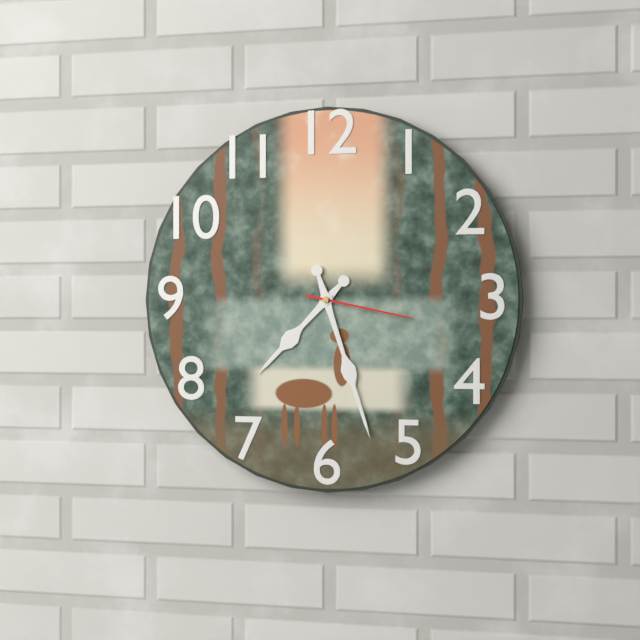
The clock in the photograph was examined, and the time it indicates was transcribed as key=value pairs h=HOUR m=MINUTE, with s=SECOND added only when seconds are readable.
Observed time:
h=7 m=27 s=17
